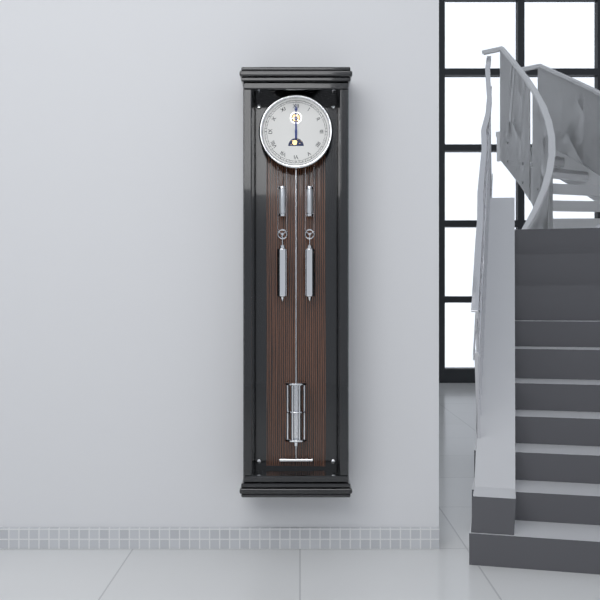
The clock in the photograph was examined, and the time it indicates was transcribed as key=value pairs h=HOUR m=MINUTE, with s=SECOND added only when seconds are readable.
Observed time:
h=12 m=0
